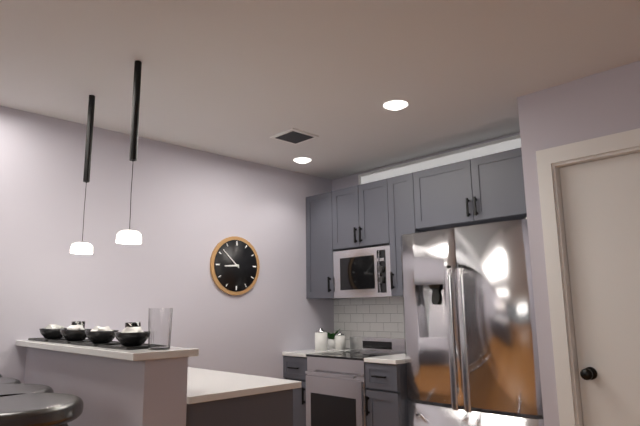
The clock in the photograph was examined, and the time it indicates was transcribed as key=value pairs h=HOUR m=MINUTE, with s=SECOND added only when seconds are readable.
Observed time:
h=8 m=52
